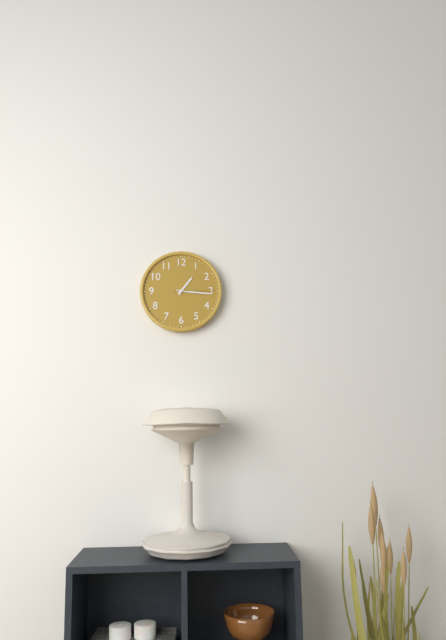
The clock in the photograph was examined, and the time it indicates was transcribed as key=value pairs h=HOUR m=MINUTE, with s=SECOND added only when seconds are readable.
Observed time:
h=1 m=16
